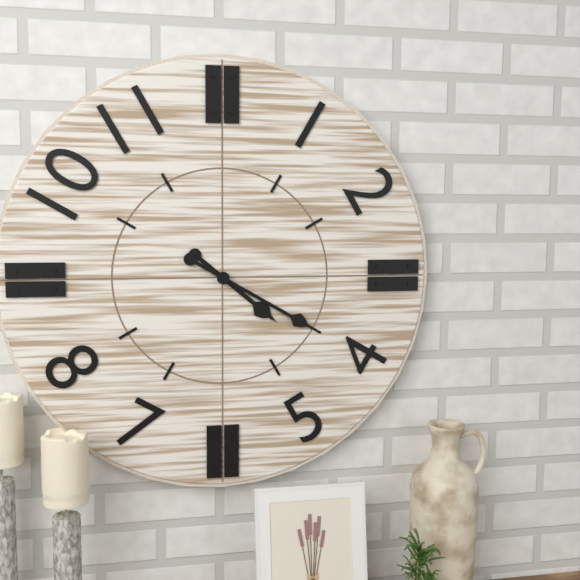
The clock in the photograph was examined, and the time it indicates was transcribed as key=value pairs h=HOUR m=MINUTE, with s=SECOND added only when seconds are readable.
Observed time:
h=4 m=20
